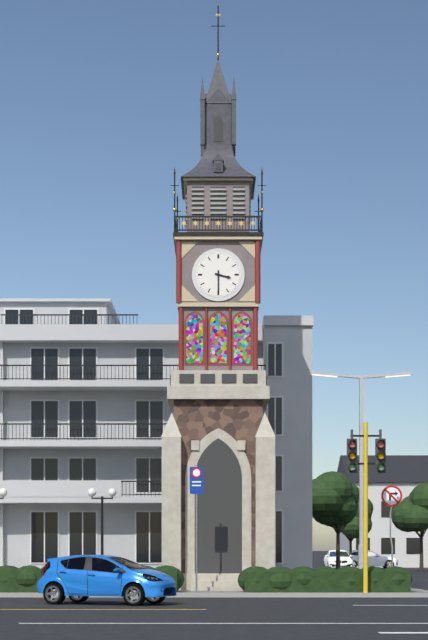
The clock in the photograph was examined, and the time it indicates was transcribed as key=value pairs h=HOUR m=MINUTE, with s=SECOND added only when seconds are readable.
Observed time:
h=3 m=30
